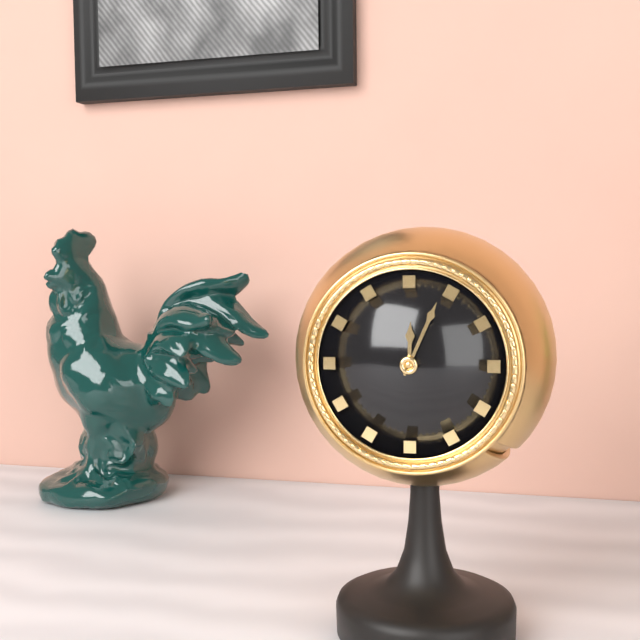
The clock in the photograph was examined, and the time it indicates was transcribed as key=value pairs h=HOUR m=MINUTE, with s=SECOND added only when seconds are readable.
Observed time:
h=12 m=4
